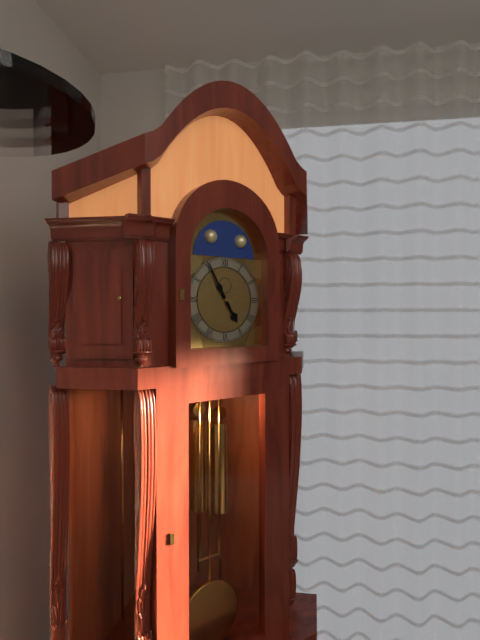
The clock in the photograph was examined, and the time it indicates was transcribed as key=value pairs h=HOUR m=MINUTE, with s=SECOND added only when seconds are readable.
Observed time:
h=4 m=55
